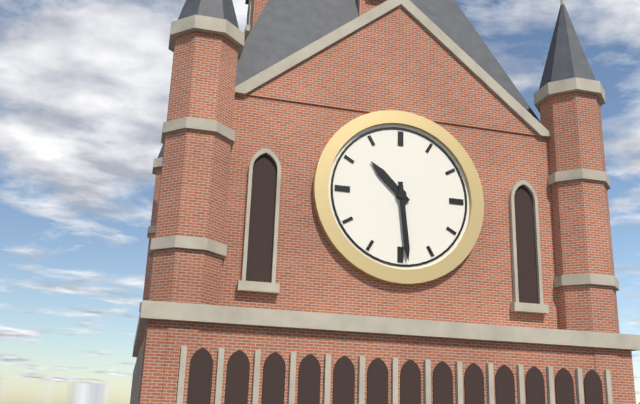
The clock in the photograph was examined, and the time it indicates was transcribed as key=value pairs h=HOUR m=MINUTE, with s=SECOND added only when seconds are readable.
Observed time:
h=10 m=29
